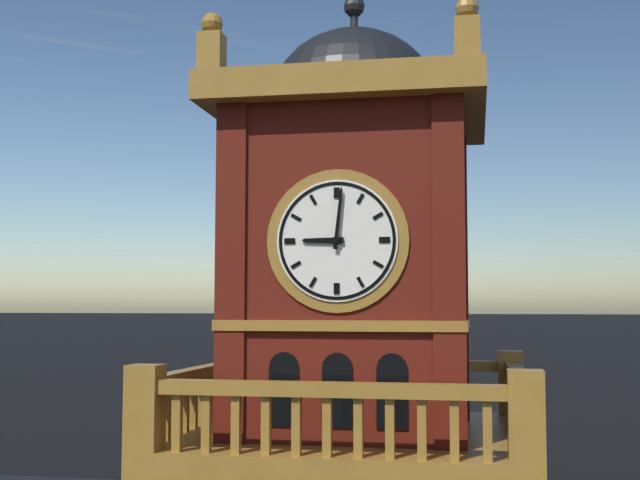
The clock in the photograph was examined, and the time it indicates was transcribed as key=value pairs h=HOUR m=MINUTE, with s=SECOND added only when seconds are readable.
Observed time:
h=9 m=1
